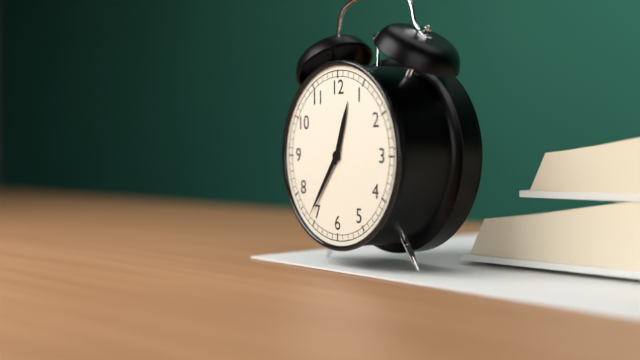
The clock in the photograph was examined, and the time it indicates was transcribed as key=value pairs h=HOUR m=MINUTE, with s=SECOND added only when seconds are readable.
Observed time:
h=12 m=36
